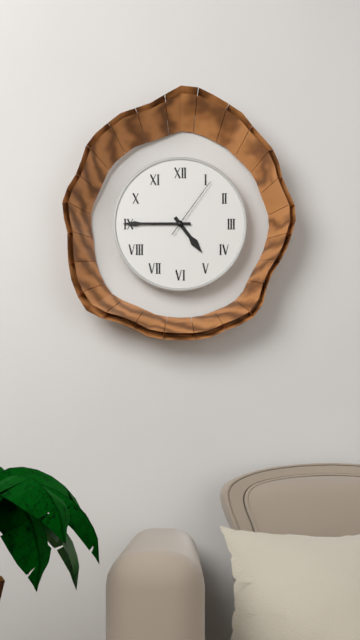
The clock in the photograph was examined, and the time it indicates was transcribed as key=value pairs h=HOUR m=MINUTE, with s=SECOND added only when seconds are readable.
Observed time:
h=4 m=45 s=6
